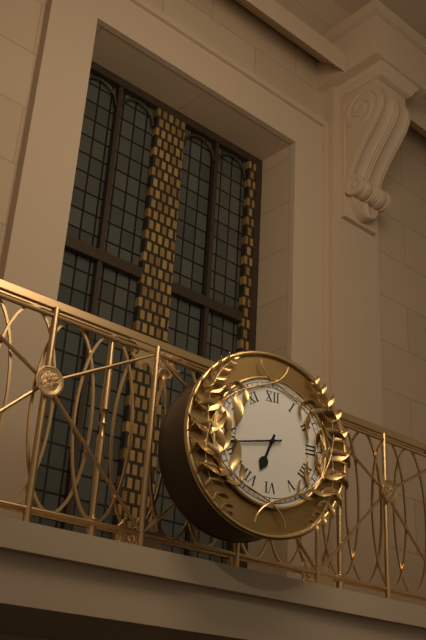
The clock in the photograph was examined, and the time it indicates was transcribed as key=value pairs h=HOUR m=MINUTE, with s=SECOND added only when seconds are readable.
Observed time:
h=6 m=43
